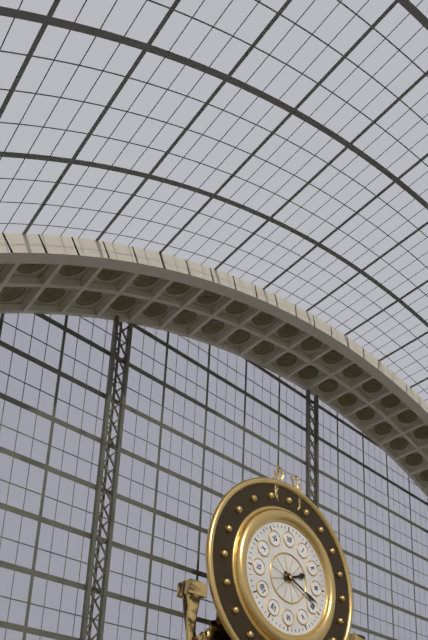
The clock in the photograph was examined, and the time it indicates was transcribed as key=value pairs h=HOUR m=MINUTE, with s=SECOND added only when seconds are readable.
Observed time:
h=2 m=19
